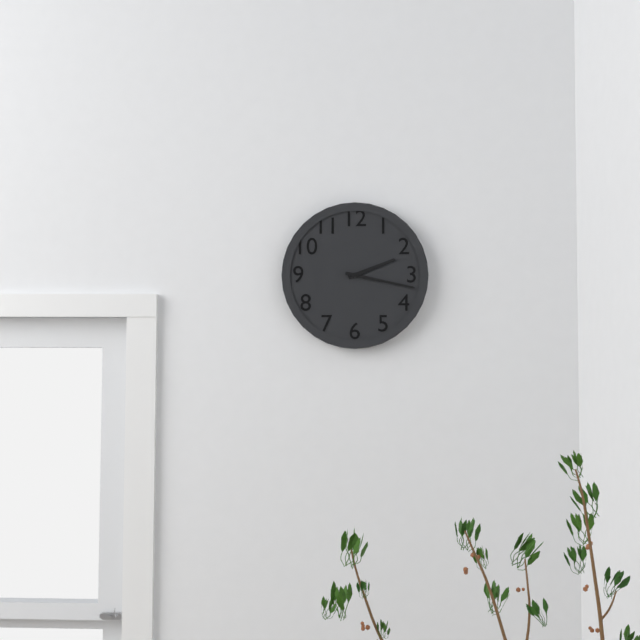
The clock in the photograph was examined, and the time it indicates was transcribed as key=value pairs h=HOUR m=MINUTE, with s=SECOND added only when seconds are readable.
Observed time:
h=2 m=17
